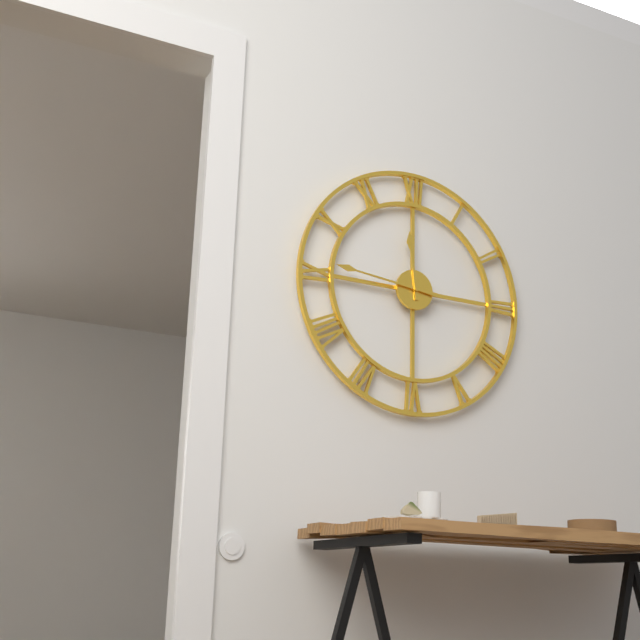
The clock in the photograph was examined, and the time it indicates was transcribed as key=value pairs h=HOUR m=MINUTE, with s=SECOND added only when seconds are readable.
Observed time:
h=11 m=46
